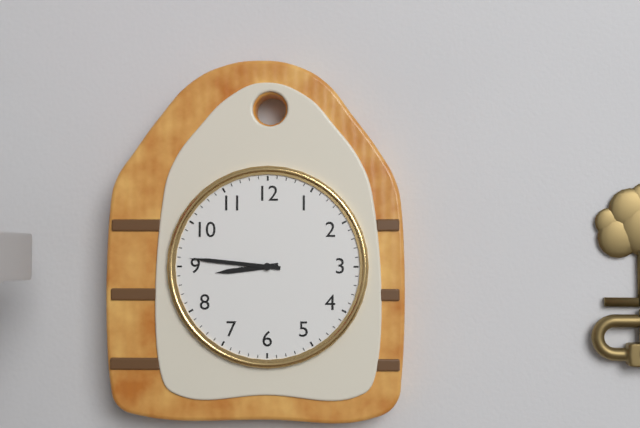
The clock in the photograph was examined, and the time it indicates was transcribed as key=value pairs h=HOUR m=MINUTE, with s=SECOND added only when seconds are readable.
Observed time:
h=8 m=46
